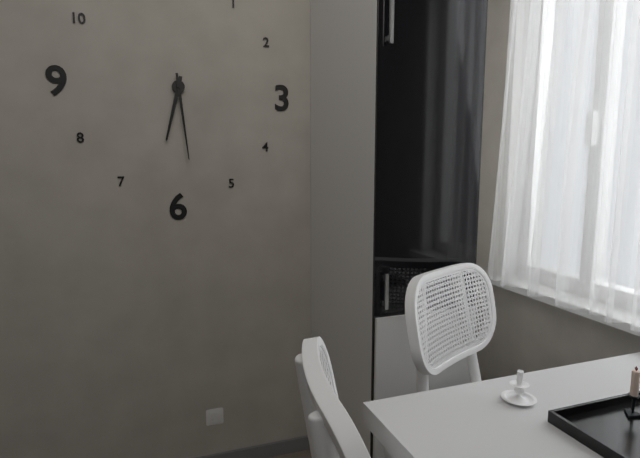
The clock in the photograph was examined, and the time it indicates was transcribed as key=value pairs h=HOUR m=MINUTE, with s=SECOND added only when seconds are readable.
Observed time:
h=6 m=29
